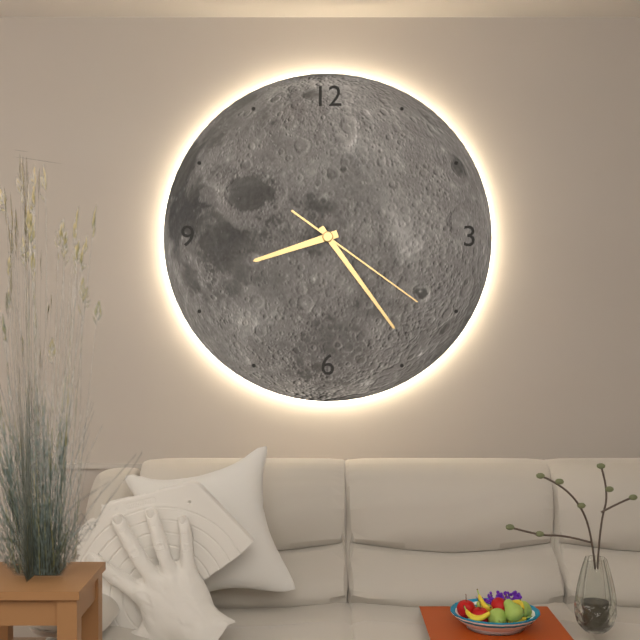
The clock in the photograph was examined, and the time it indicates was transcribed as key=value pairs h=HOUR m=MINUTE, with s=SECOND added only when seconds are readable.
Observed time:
h=8 m=24 s=21
